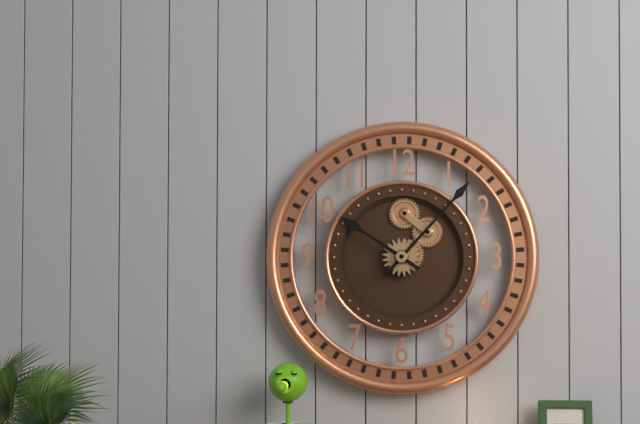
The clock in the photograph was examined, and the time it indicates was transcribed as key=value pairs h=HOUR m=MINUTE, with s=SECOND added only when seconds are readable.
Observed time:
h=10 m=7
